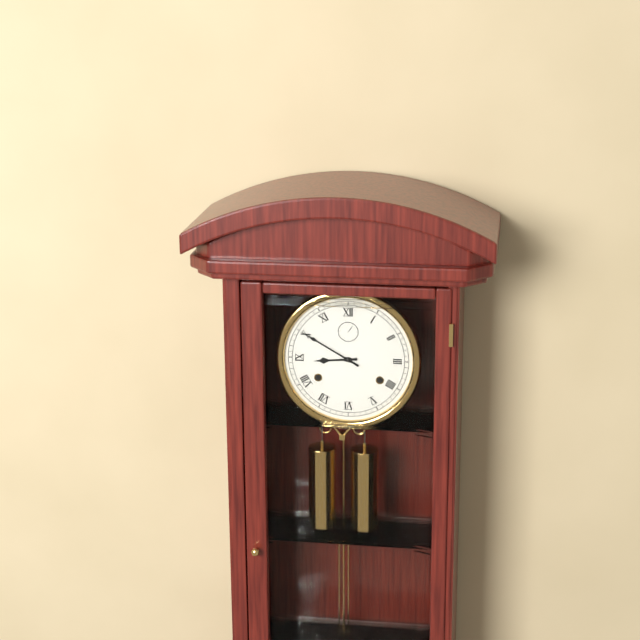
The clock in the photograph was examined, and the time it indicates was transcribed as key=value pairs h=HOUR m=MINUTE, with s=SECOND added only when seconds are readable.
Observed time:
h=8 m=50
